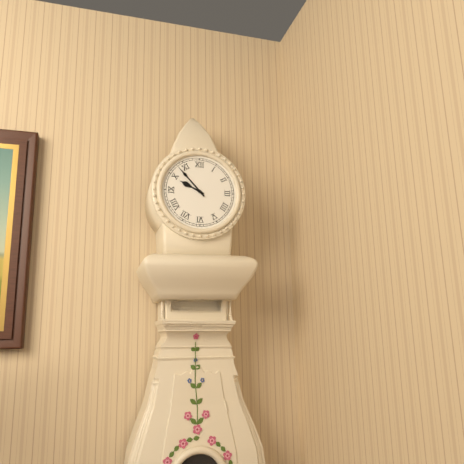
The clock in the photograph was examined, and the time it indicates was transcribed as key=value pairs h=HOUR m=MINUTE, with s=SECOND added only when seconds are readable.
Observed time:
h=9 m=53
